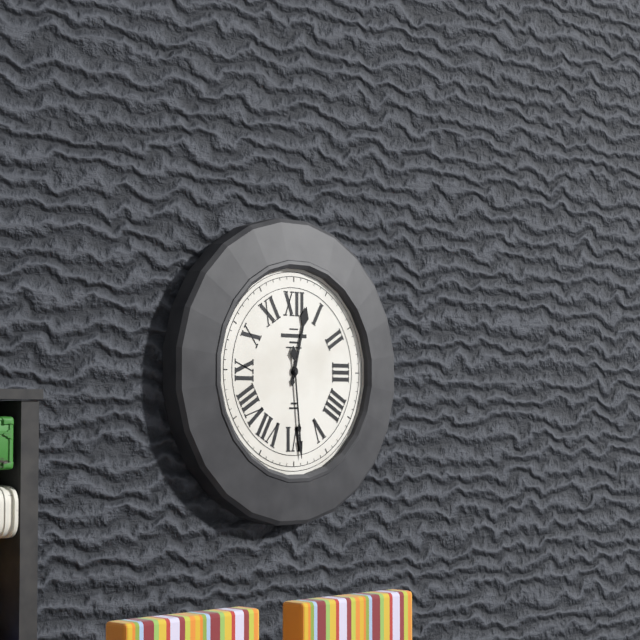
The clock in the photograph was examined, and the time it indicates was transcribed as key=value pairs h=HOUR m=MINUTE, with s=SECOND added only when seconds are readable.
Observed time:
h=12 m=29
